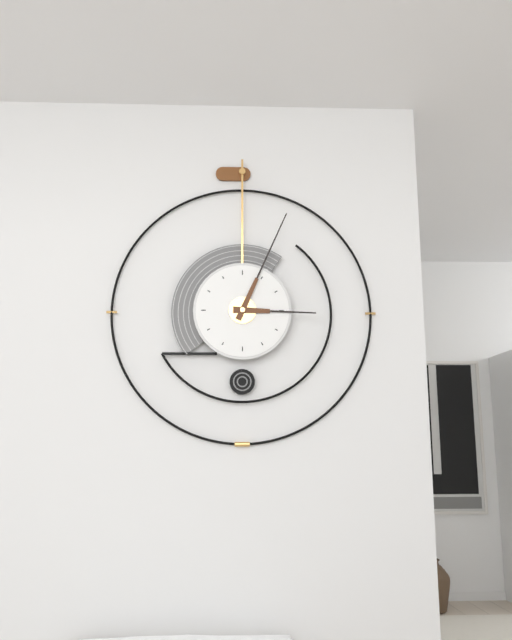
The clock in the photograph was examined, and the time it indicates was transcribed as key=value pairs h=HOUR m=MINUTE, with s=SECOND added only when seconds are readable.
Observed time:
h=3 m=4
